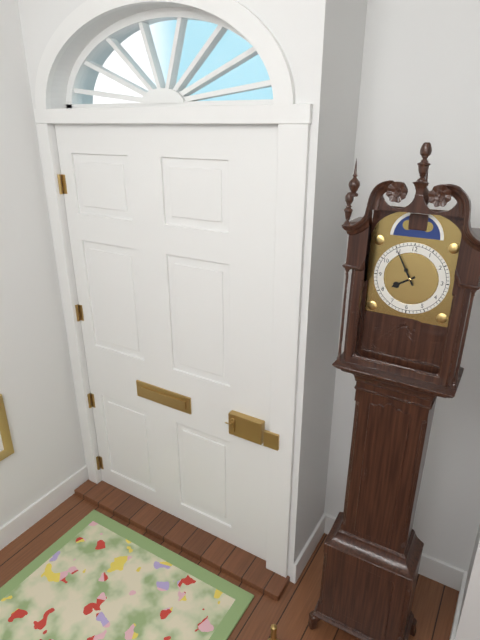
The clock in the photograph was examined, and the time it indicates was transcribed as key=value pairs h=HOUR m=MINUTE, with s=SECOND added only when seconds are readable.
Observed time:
h=7 m=55
